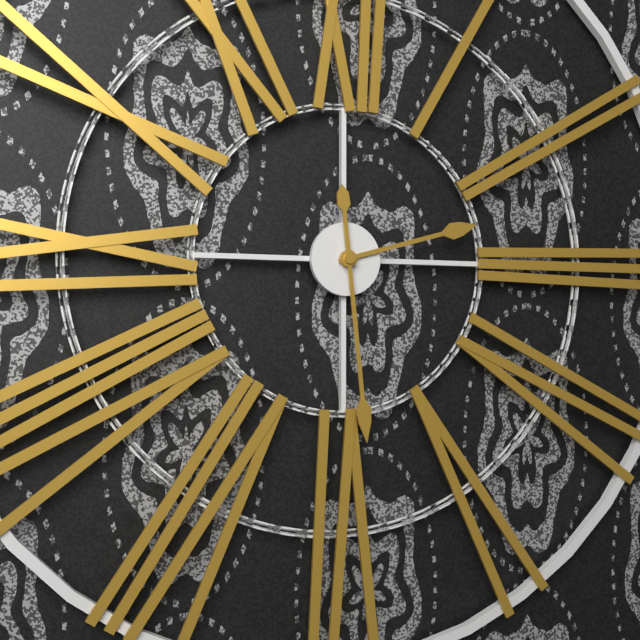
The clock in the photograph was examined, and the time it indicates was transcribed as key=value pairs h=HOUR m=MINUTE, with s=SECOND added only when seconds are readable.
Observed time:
h=2 m=29
